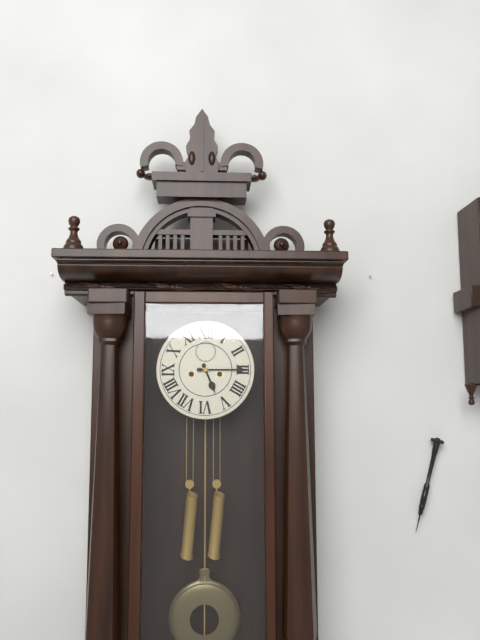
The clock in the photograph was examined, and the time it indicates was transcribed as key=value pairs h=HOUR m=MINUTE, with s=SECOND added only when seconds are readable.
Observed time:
h=5 m=15
